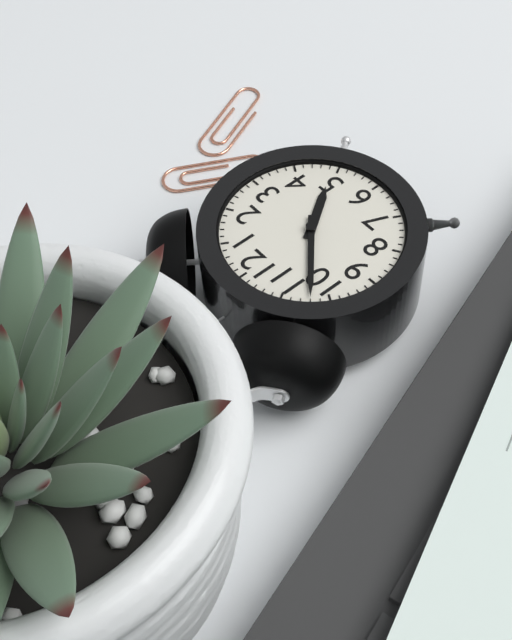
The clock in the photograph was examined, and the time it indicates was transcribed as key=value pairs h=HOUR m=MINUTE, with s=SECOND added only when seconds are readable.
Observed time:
h=4 m=52
